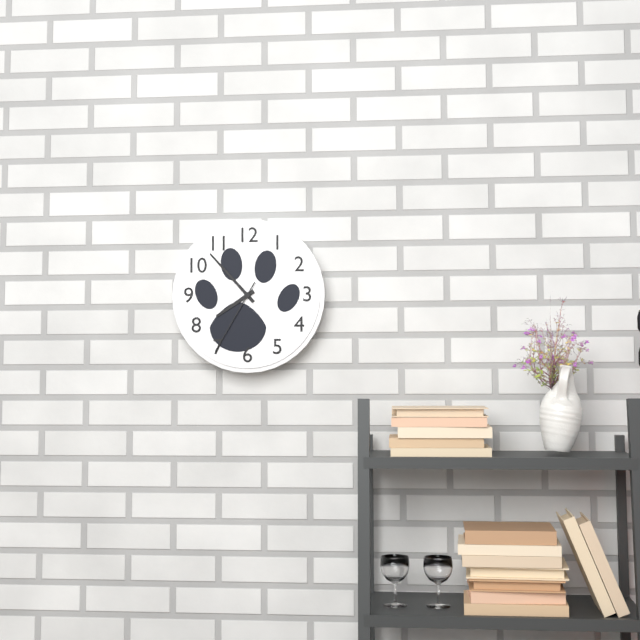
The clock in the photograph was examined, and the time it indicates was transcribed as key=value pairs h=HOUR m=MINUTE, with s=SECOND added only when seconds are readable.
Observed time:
h=7 m=53 s=35
